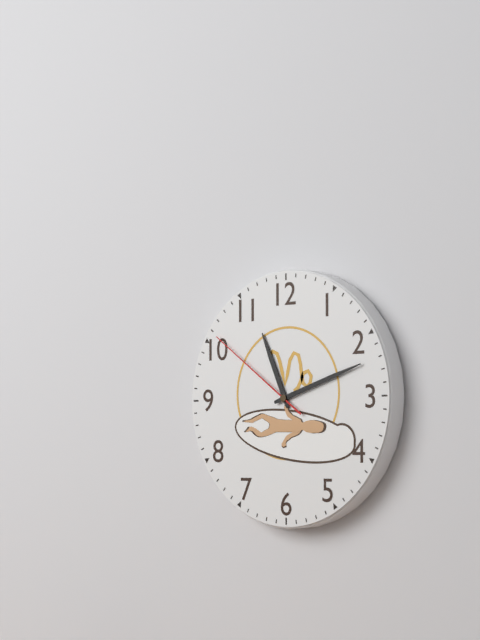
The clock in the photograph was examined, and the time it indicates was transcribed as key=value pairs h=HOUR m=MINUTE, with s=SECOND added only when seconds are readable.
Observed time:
h=11 m=12 s=51
